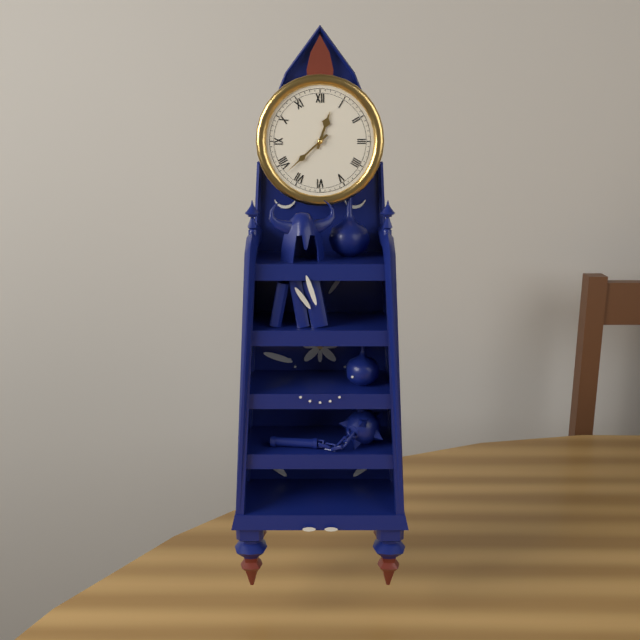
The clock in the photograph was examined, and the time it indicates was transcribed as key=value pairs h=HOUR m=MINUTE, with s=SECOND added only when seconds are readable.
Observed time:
h=12 m=38
